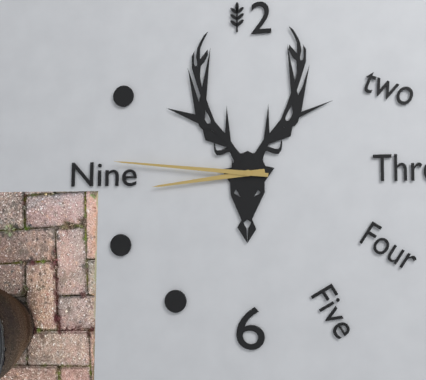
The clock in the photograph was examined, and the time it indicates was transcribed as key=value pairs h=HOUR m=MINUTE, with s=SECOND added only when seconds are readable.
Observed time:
h=8 m=46
